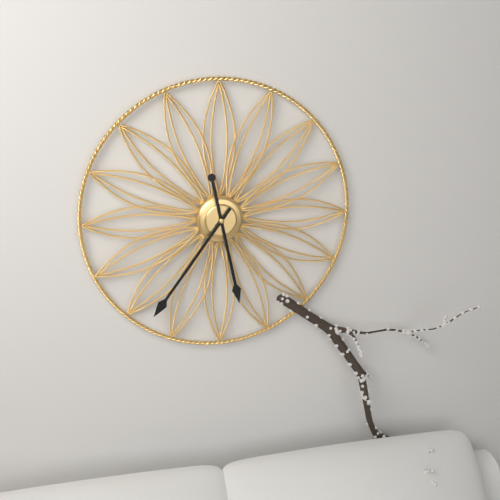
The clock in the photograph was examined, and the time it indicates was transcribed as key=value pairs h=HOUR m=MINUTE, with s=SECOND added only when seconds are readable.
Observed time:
h=5 m=36
